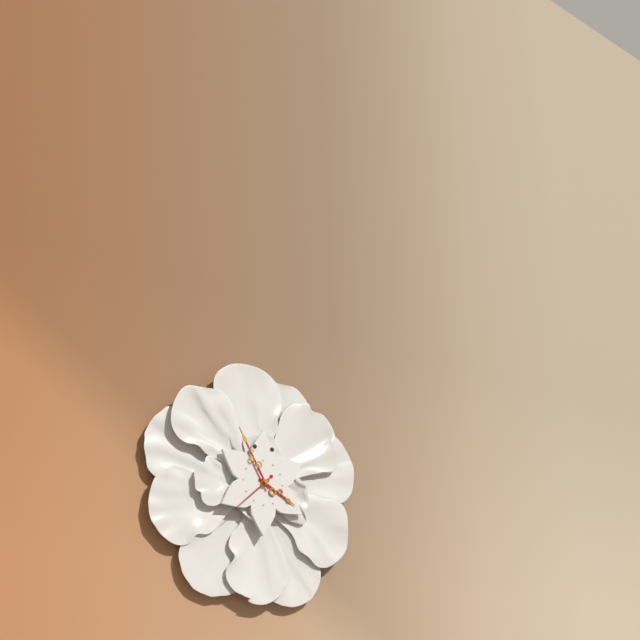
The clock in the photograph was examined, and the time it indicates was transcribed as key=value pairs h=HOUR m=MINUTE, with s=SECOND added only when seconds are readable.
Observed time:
h=3 m=55 s=38
